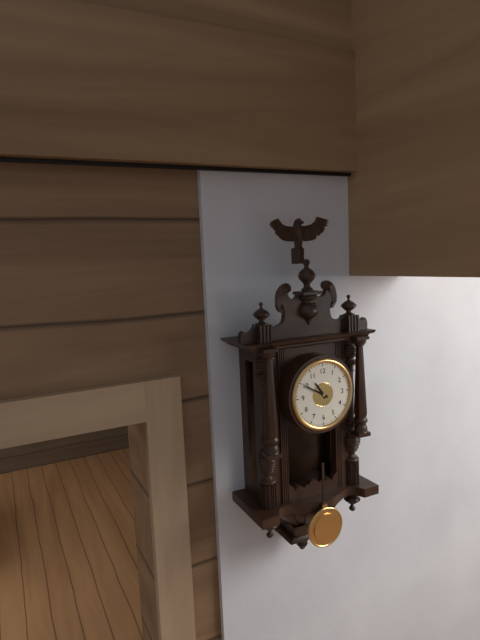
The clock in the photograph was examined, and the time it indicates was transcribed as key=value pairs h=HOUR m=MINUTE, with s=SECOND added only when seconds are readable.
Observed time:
h=10 m=50
